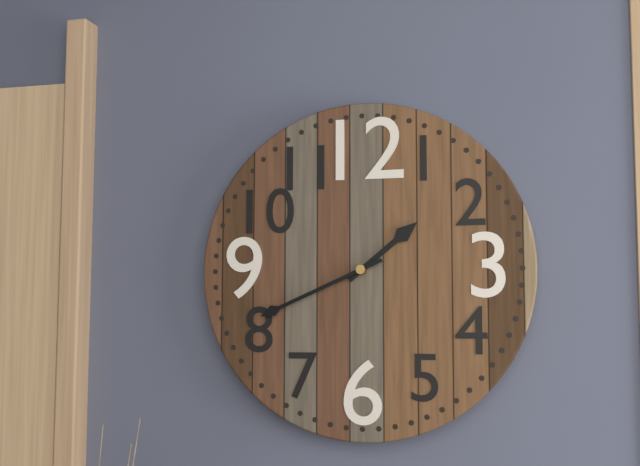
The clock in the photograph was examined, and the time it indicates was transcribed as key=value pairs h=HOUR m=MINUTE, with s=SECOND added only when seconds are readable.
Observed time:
h=1 m=41
